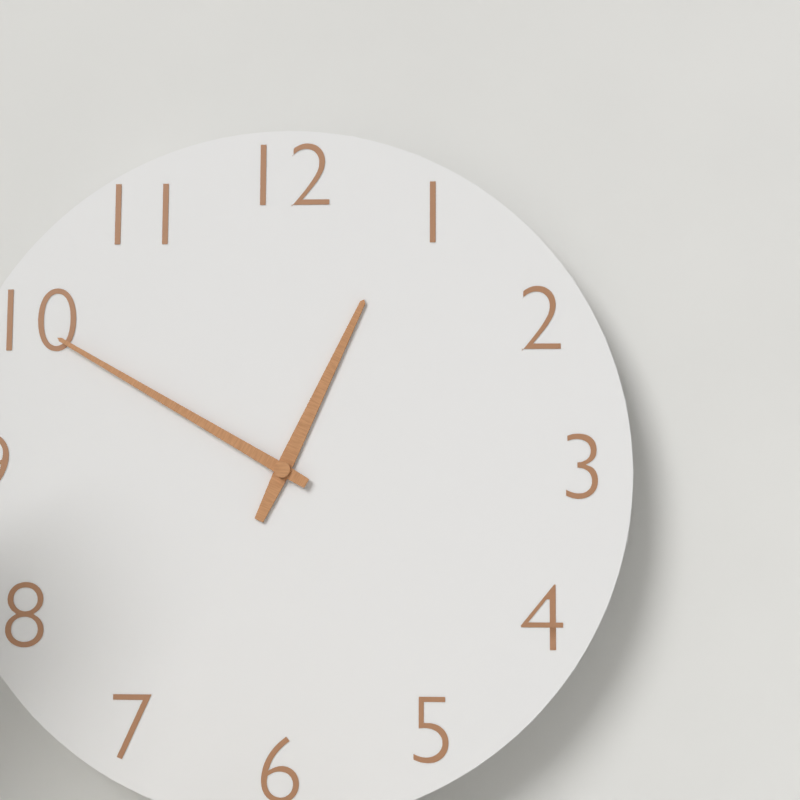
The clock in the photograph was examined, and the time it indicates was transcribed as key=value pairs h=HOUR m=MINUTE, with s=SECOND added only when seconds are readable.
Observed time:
h=12 m=50
